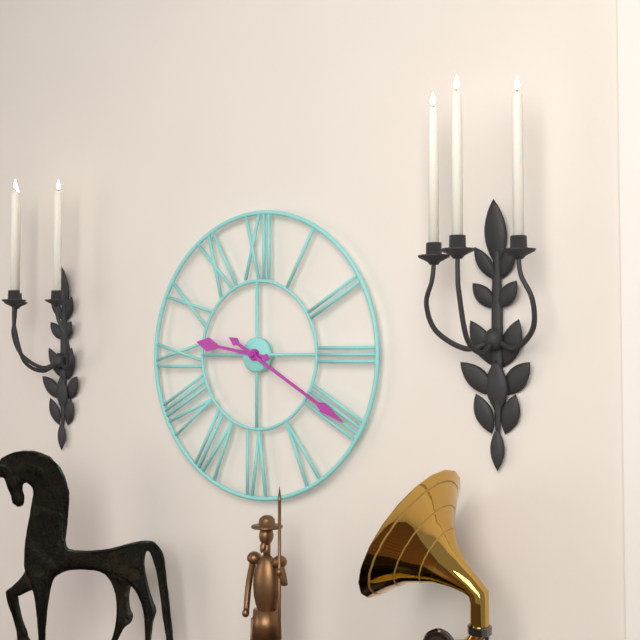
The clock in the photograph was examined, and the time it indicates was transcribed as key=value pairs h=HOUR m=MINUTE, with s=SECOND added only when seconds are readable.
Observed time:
h=9 m=20
